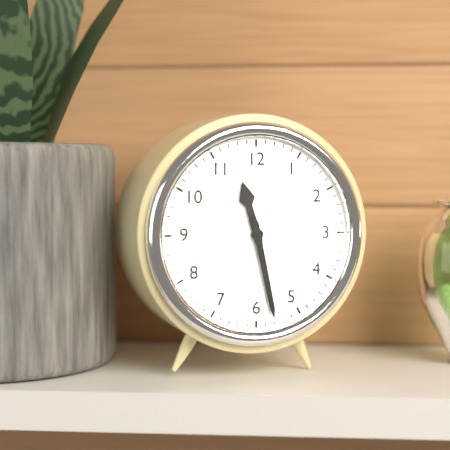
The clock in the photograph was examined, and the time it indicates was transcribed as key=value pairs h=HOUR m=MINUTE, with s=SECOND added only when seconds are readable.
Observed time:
h=11 m=28
